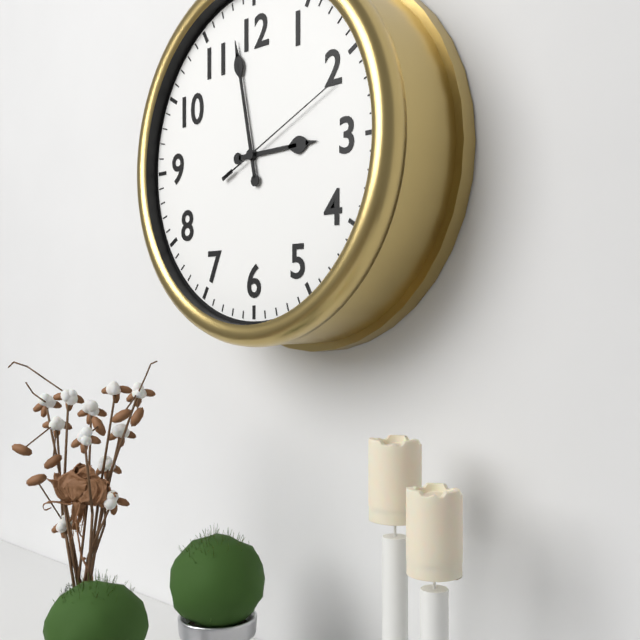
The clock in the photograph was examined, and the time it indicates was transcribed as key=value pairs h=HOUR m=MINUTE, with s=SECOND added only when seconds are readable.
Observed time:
h=2 m=58 s=11
